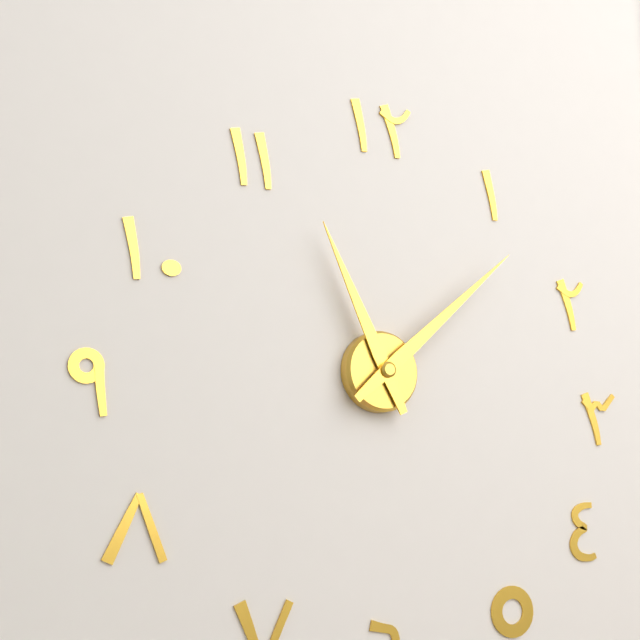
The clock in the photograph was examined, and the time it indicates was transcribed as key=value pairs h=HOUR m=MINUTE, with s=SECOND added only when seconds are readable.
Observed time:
h=11 m=8
